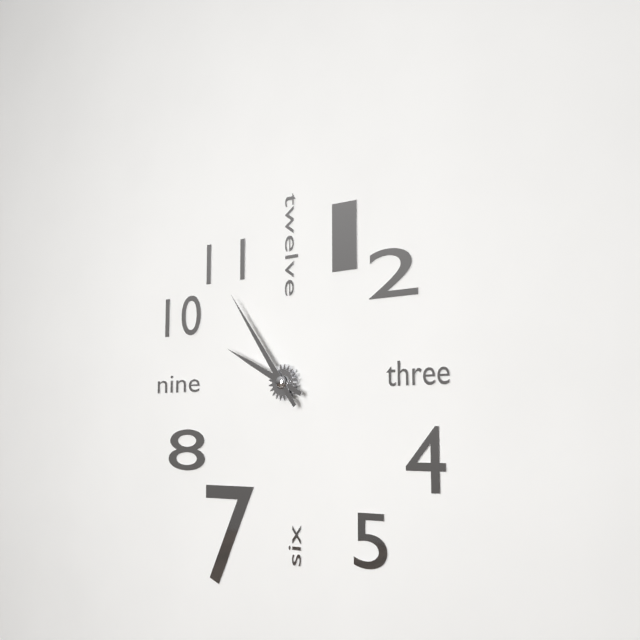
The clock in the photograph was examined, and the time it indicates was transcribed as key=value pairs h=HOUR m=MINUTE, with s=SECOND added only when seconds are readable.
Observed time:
h=9 m=54
